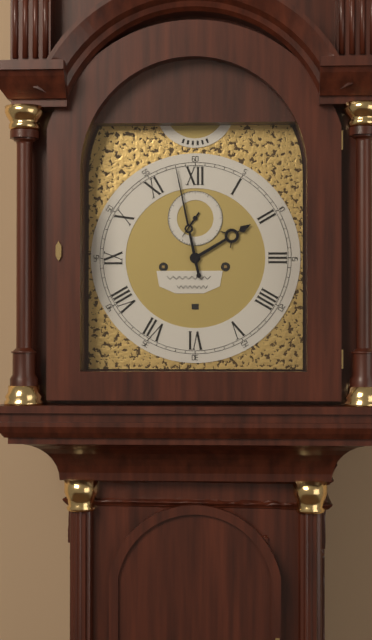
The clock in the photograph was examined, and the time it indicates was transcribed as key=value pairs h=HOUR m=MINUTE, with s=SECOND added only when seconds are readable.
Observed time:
h=1 m=58
